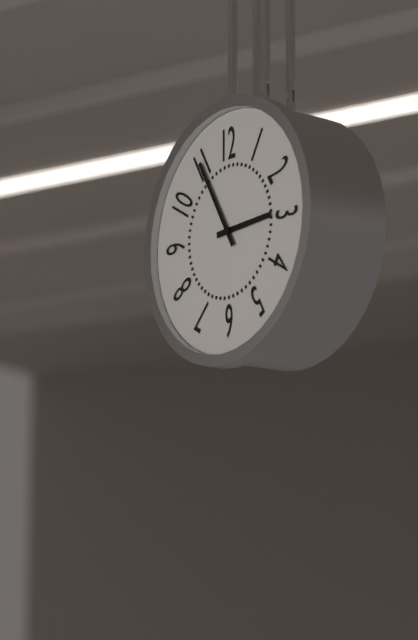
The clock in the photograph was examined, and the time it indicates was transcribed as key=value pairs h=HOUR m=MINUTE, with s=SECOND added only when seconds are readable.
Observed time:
h=2 m=55
